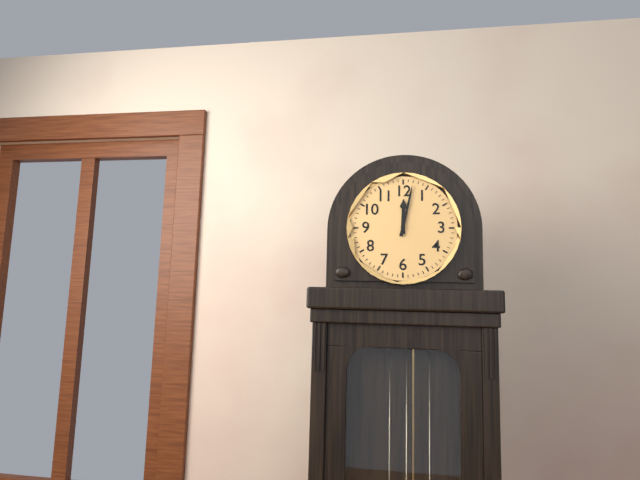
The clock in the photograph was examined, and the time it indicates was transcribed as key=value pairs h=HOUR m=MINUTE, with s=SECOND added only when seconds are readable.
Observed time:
h=12 m=2
